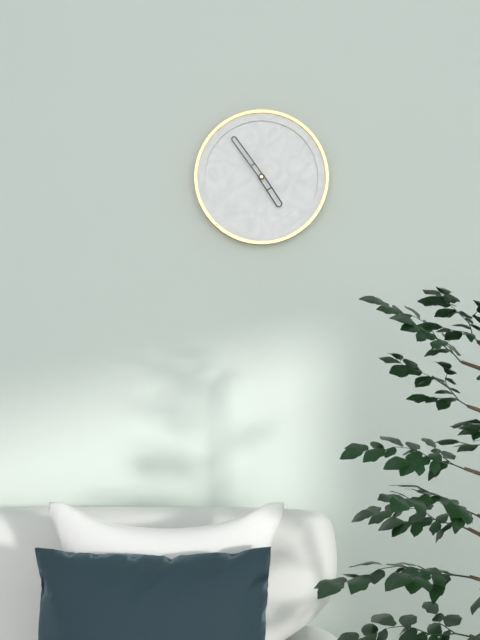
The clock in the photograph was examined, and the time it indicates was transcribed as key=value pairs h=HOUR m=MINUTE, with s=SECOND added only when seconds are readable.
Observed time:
h=4 m=54
